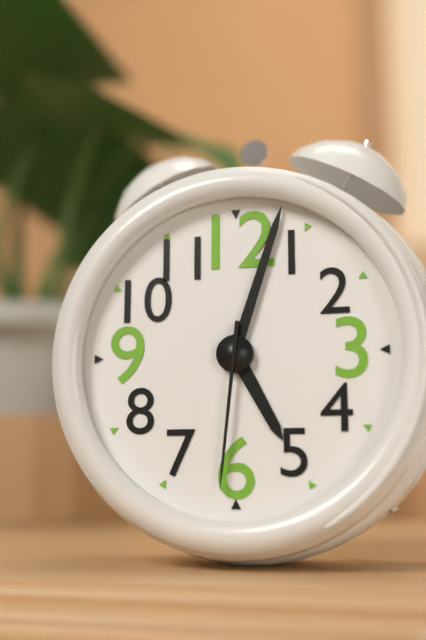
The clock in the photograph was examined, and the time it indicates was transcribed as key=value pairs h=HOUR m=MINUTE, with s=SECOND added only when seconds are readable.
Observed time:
h=5 m=3 s=31
